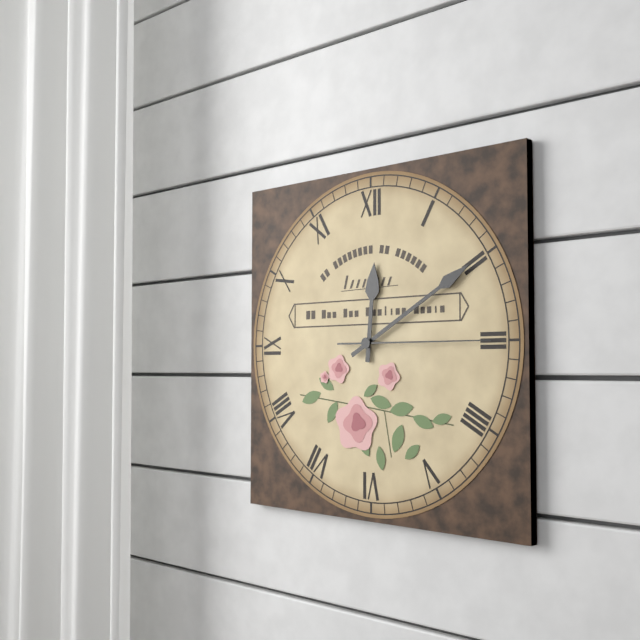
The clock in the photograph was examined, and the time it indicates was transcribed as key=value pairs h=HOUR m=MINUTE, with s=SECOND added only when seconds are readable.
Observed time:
h=12 m=10 s=15
